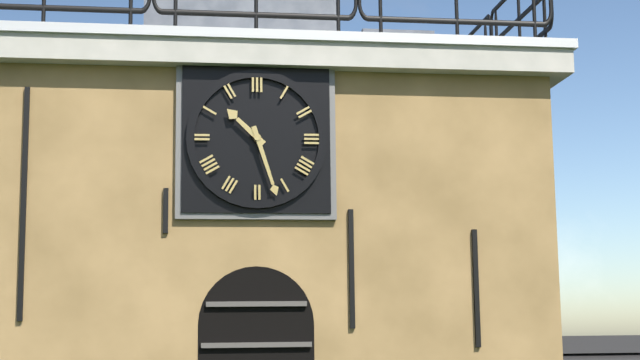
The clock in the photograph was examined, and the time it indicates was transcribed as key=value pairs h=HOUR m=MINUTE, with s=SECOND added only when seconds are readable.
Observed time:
h=10 m=27
